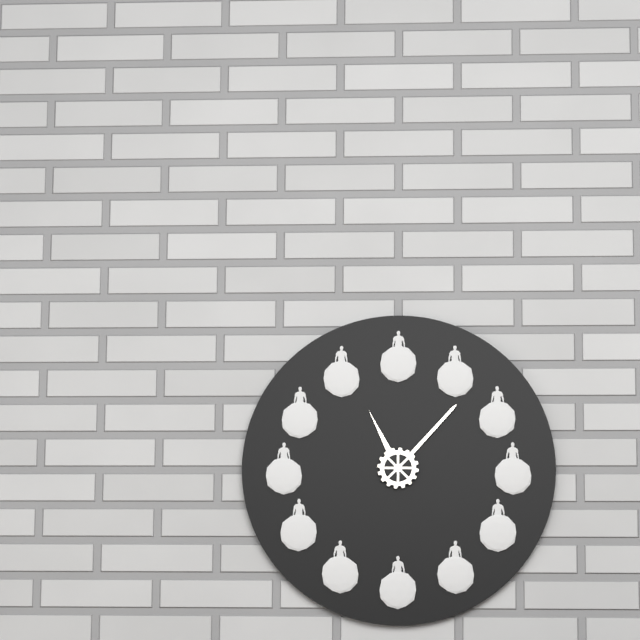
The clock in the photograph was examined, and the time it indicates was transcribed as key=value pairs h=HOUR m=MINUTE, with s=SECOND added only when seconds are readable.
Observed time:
h=11 m=7
